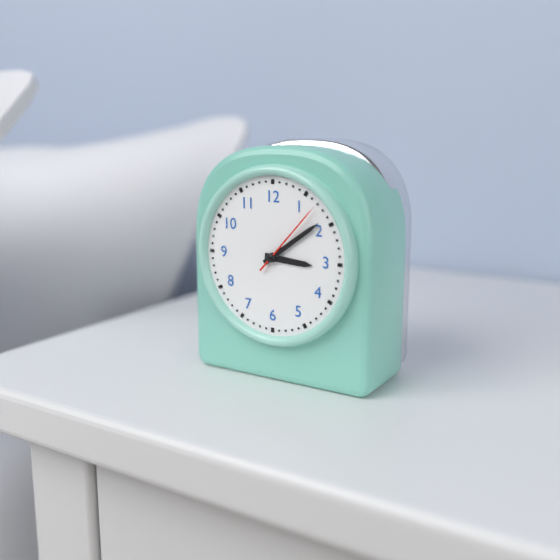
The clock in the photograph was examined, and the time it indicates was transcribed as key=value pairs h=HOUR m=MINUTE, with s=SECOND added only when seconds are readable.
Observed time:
h=3 m=9 s=7
